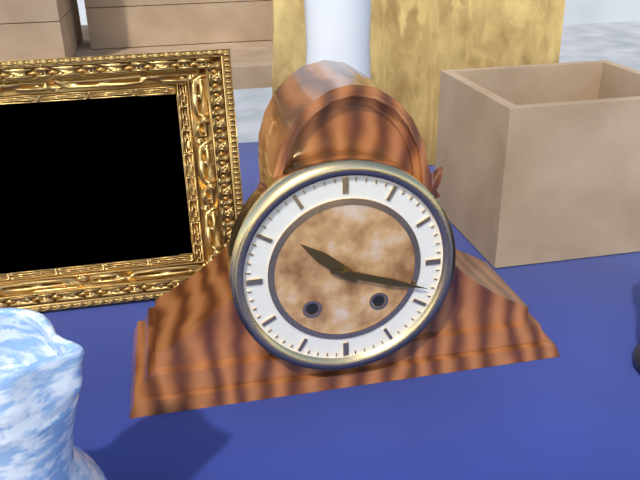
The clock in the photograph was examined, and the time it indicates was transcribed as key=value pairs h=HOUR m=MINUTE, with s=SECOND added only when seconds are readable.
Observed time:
h=10 m=18
